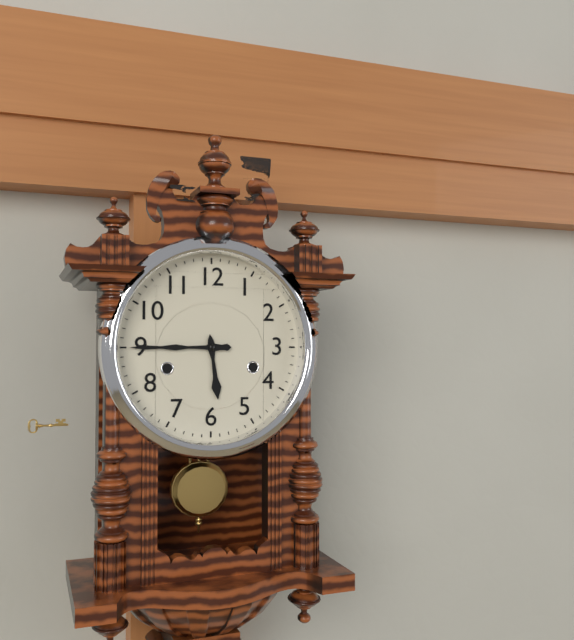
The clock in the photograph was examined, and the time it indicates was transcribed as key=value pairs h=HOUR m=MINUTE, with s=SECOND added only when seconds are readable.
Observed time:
h=5 m=45
